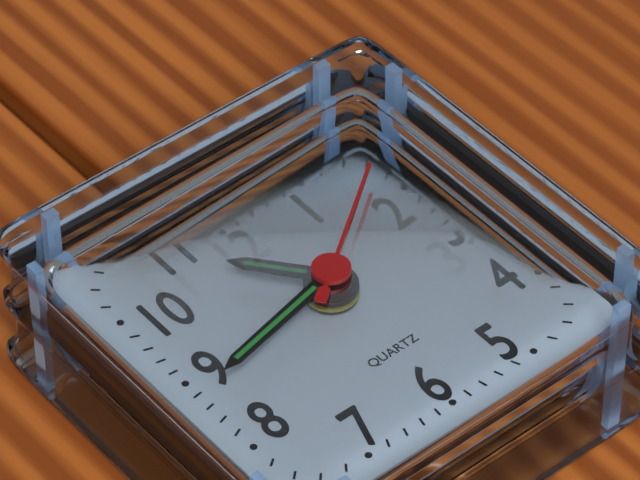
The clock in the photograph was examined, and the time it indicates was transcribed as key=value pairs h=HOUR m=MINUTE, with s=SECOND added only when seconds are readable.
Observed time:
h=10 m=43 s=9
